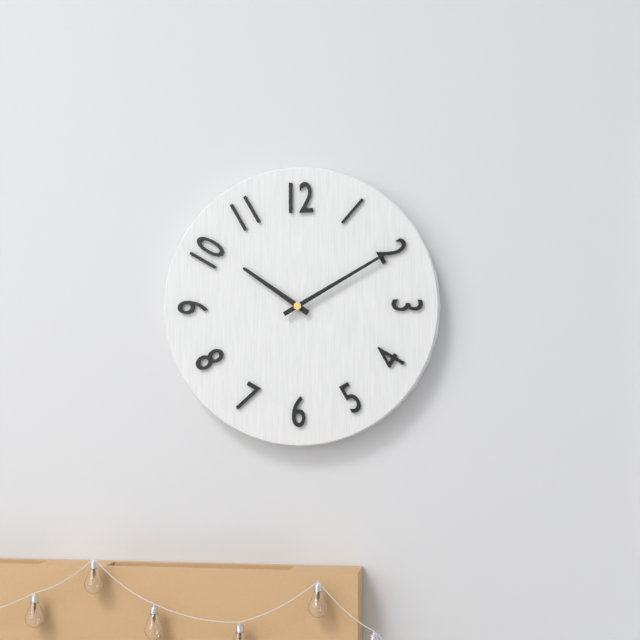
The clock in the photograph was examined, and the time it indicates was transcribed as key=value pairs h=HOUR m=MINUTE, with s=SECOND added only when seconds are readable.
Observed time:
h=10 m=10
